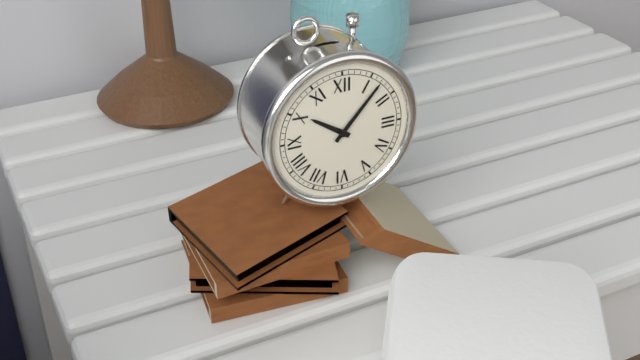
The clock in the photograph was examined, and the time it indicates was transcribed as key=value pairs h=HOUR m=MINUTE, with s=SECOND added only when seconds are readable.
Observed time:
h=10 m=7
